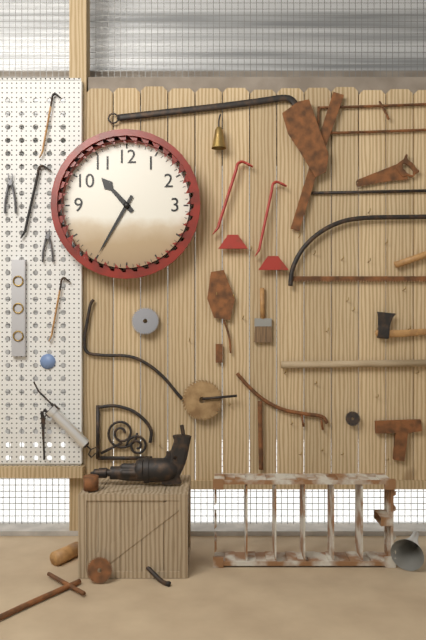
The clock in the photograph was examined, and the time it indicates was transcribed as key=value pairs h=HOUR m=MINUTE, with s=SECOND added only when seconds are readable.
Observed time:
h=10 m=35
